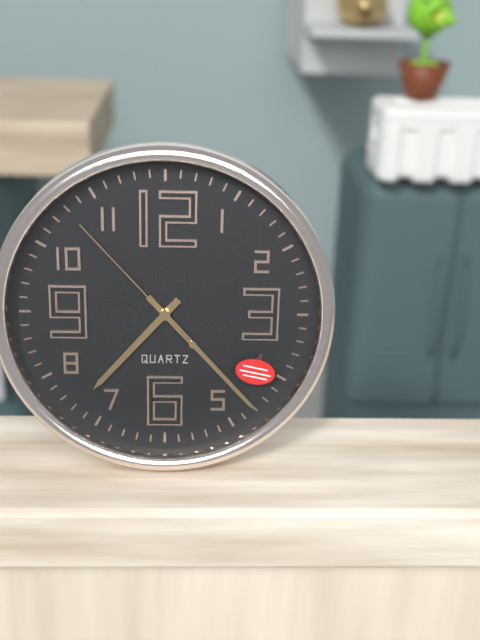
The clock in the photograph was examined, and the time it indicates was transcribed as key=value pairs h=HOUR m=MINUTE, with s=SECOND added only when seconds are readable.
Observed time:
h=7 m=23 s=53
